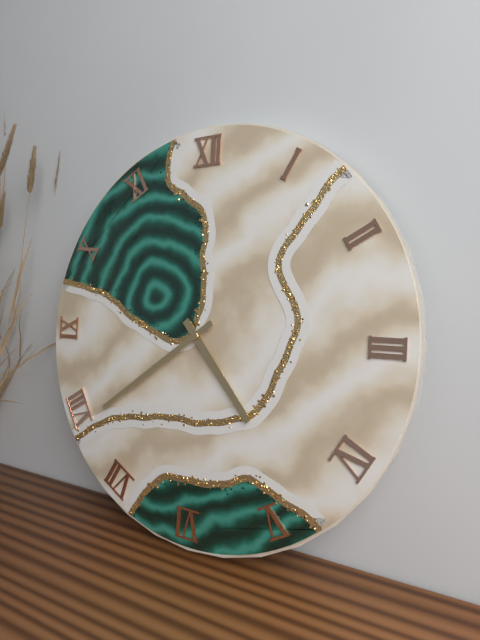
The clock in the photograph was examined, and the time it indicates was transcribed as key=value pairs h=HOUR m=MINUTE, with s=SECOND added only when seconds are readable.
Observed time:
h=4 m=39
